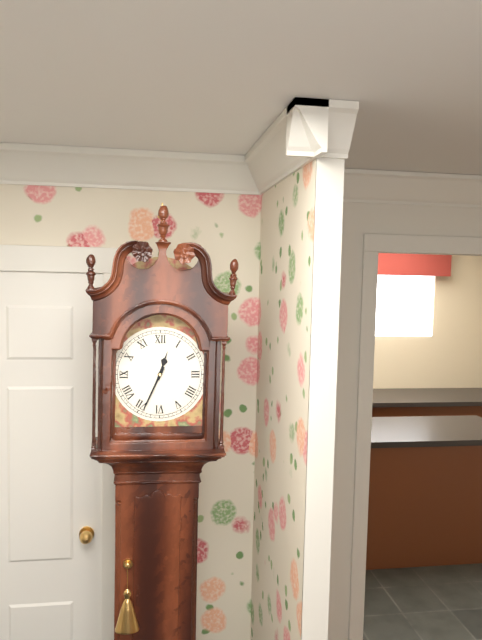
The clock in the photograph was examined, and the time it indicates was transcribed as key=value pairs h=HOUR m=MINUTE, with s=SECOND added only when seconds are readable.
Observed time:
h=12 m=34
